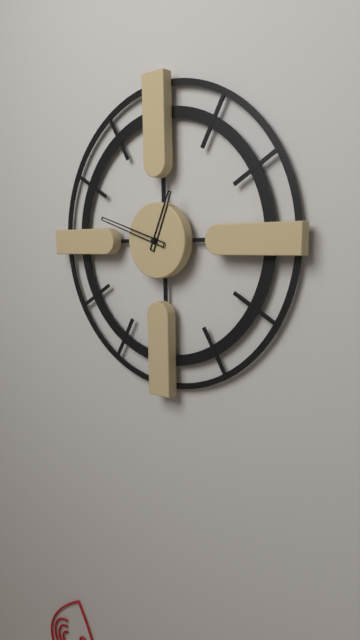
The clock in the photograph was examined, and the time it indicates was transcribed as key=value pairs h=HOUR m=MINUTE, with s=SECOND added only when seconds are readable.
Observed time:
h=12 m=48
